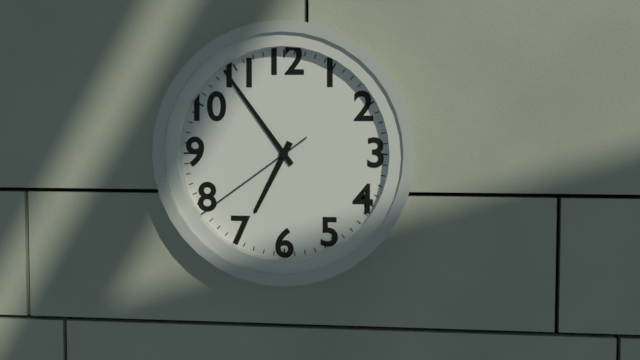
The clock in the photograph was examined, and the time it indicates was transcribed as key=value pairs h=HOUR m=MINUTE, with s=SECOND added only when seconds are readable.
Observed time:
h=6 m=54 s=39
